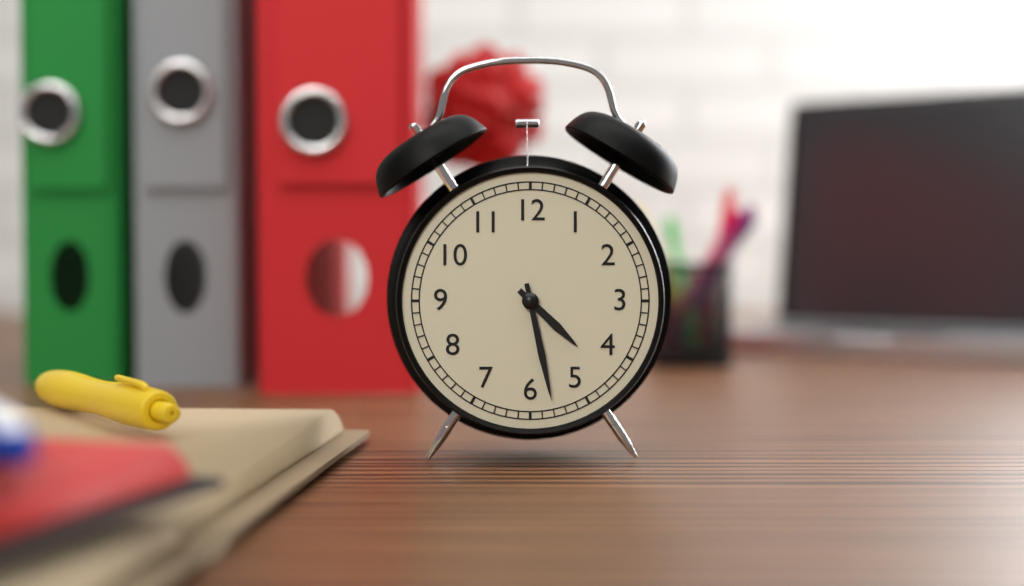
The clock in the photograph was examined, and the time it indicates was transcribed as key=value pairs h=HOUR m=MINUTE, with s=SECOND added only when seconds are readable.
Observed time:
h=4 m=28
